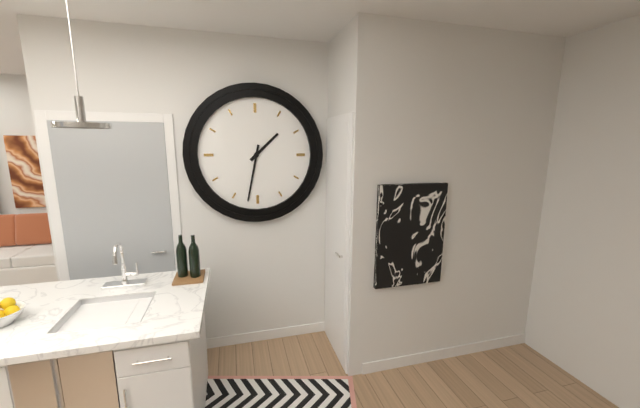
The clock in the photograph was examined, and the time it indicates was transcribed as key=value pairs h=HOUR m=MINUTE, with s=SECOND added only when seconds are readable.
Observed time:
h=1 m=32
